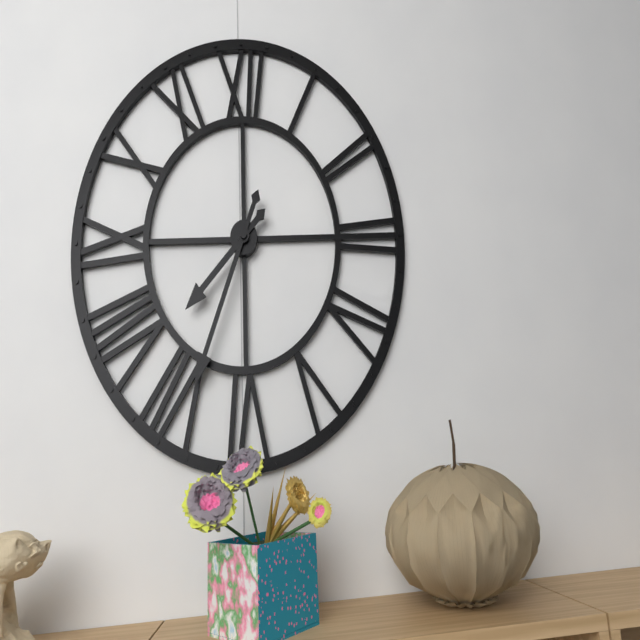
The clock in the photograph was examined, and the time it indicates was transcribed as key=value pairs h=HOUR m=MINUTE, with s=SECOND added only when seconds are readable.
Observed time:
h=7 m=34
